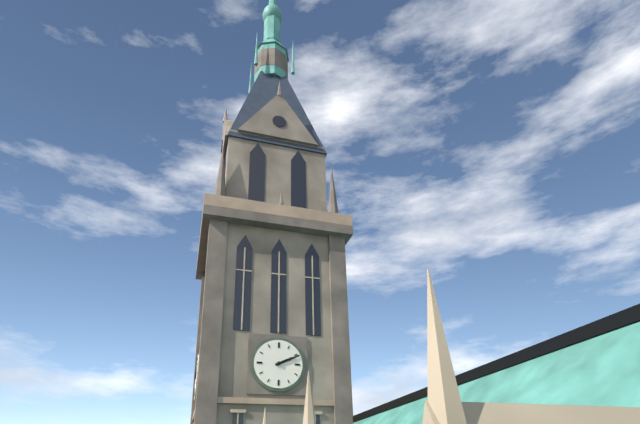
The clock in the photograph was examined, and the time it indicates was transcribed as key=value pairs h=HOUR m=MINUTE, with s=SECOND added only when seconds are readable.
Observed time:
h=2 m=11
